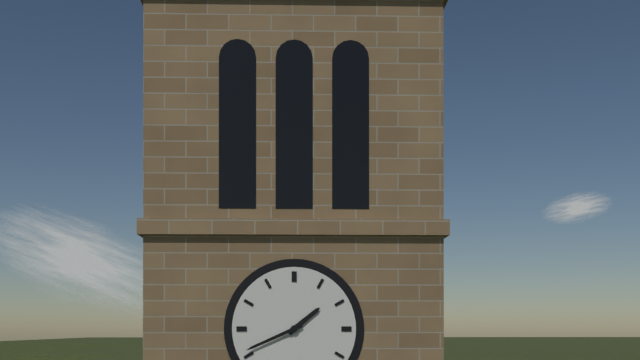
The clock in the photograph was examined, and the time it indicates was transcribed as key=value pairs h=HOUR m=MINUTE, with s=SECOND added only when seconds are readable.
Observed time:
h=1 m=41
